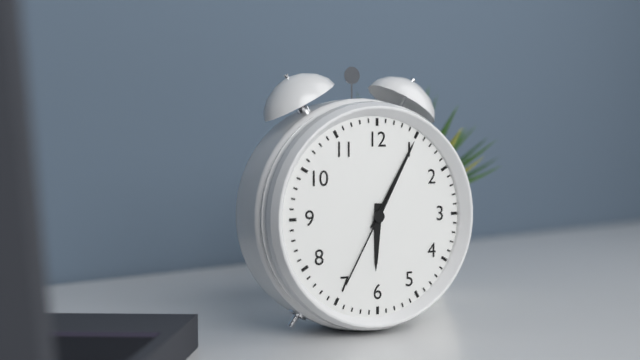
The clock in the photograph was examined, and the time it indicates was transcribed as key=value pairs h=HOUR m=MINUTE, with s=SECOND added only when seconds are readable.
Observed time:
h=6 m=5 s=35
